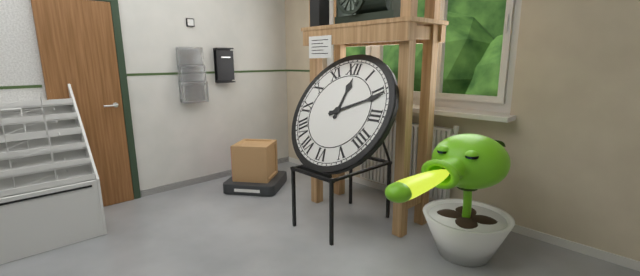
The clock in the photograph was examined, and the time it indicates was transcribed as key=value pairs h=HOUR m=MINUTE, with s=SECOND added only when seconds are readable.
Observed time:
h=12 m=11
